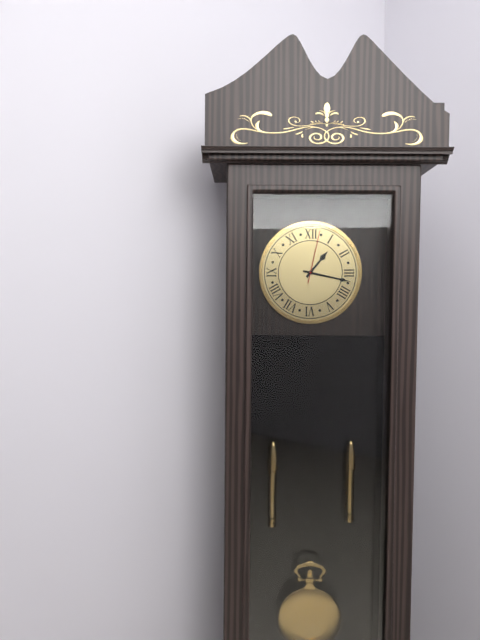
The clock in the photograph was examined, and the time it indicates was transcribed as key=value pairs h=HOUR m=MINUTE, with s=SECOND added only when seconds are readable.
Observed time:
h=1 m=17 s=2
